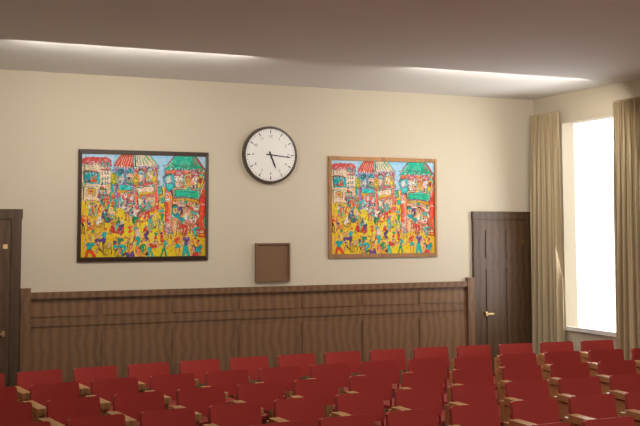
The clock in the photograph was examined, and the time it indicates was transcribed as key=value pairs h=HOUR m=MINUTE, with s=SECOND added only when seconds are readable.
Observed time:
h=5 m=16
